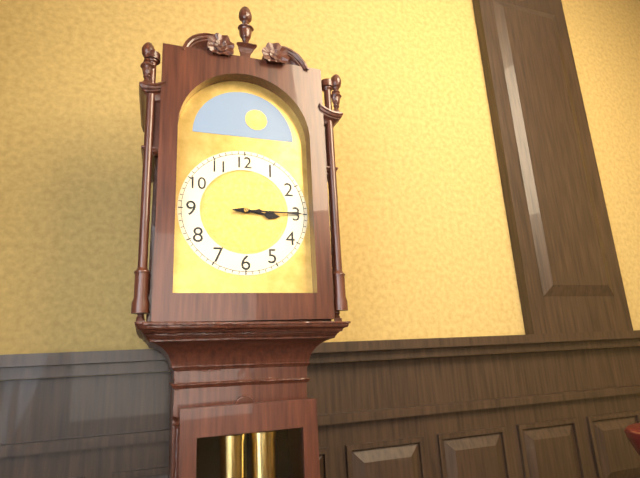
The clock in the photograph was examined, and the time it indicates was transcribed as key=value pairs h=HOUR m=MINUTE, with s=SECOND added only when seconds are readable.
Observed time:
h=3 m=15
